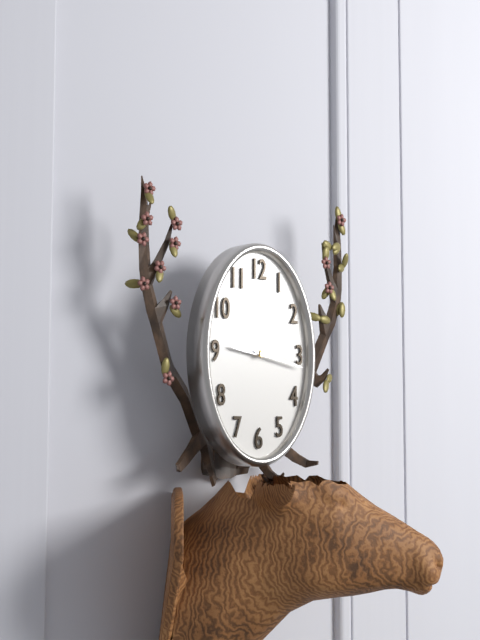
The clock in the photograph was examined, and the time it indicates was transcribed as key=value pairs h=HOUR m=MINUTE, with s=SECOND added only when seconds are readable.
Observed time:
h=9 m=17
